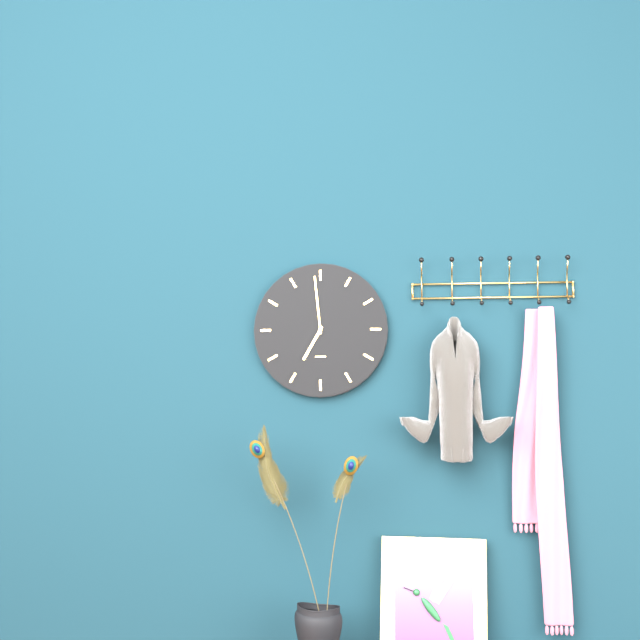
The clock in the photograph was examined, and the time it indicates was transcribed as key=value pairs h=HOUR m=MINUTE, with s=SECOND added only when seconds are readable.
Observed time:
h=6 m=59
